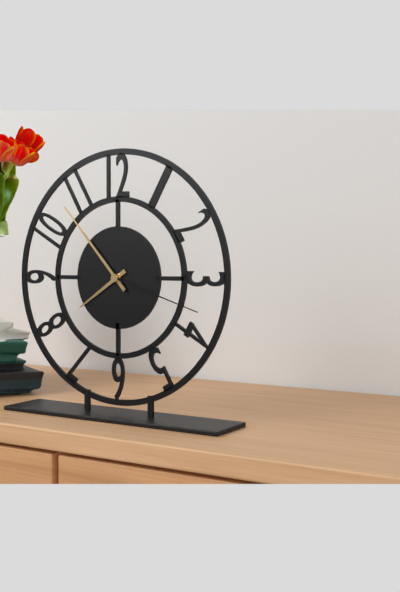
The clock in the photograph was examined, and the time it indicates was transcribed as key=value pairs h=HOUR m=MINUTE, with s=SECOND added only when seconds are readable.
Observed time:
h=7 m=53 s=18
